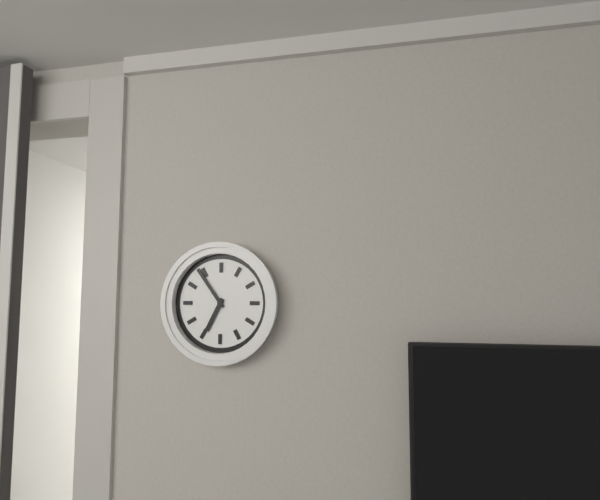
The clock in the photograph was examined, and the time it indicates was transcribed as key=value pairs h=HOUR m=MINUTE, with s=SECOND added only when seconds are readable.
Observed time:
h=6 m=54
